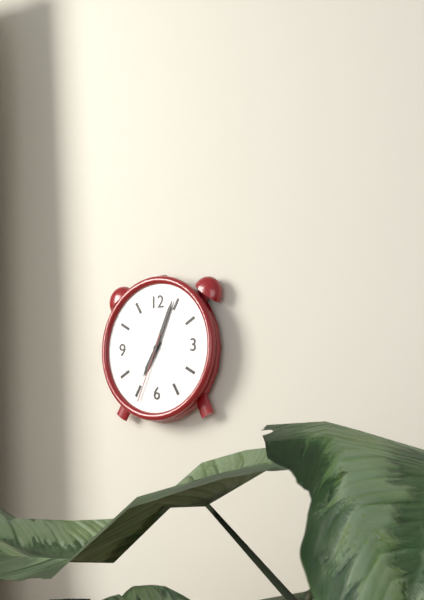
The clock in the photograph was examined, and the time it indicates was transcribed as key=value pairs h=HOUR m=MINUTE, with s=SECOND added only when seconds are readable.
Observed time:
h=7 m=4 s=34
